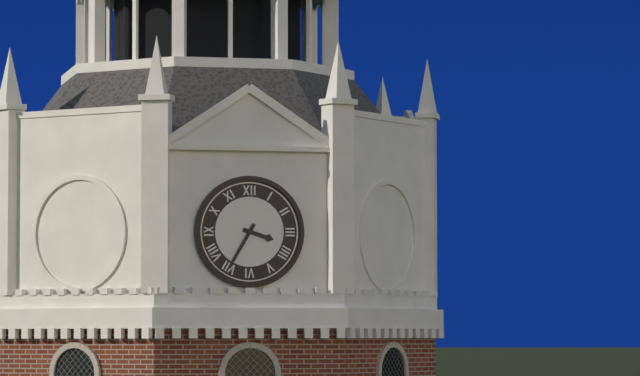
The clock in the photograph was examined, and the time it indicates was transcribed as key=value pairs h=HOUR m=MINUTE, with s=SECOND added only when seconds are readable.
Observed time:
h=3 m=35
